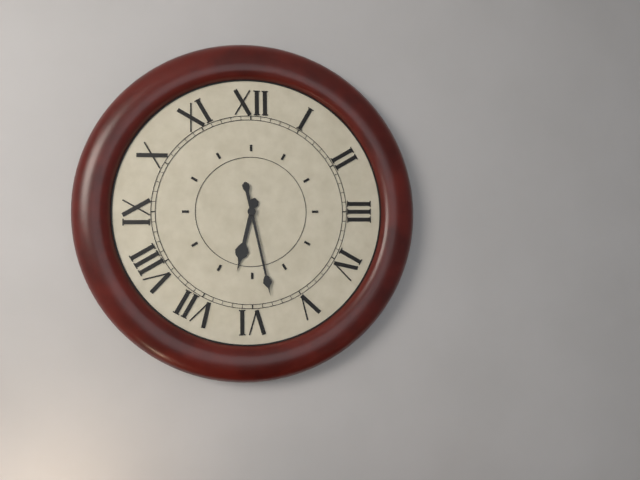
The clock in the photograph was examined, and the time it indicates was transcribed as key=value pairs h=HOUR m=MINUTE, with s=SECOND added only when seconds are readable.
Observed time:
h=6 m=28
